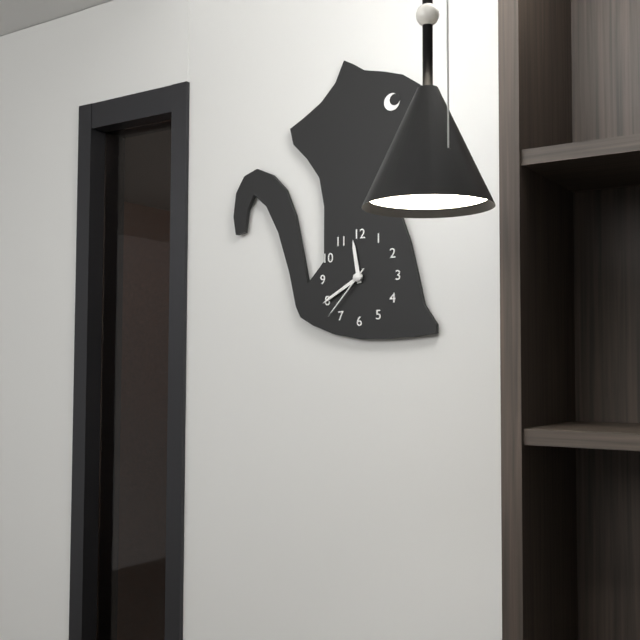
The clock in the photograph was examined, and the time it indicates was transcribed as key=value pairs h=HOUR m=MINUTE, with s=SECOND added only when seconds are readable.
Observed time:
h=11 m=40 s=37
